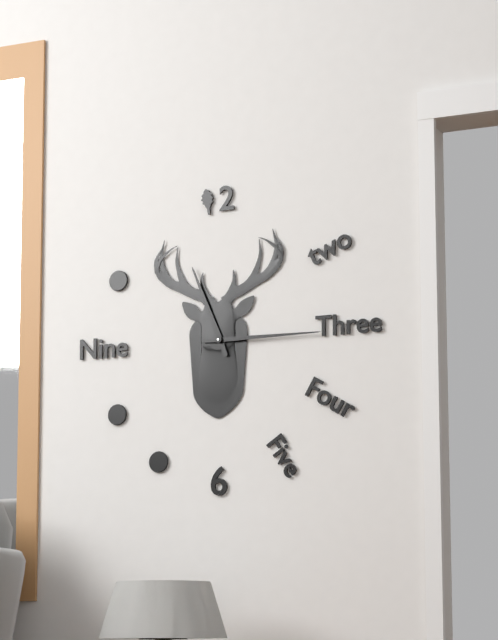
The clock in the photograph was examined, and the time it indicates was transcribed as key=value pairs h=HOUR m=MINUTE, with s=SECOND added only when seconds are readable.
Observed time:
h=11 m=15
